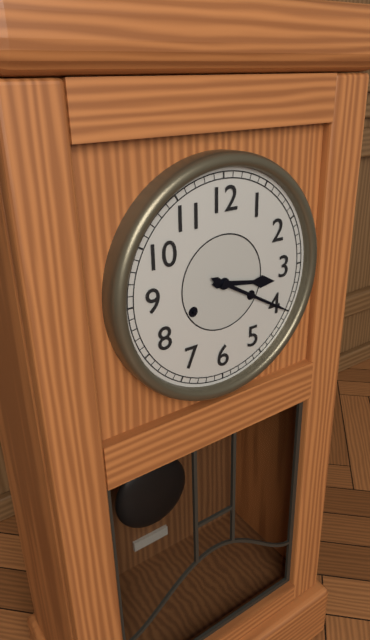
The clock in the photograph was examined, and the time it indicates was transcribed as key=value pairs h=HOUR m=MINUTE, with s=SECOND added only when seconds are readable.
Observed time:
h=3 m=20
